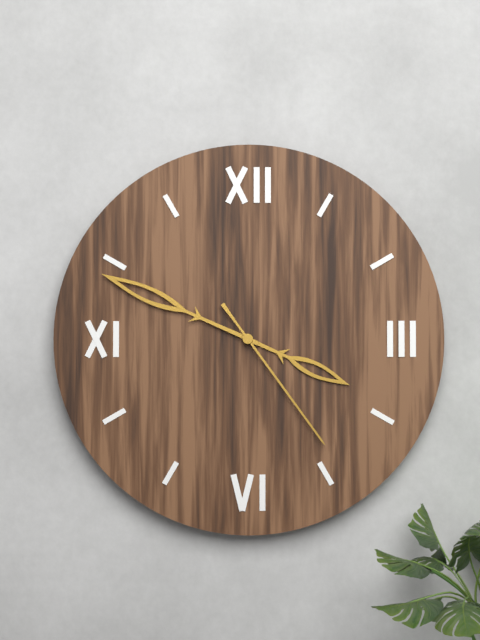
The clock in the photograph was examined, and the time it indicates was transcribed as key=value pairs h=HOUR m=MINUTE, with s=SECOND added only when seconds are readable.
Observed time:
h=3 m=49 s=24
